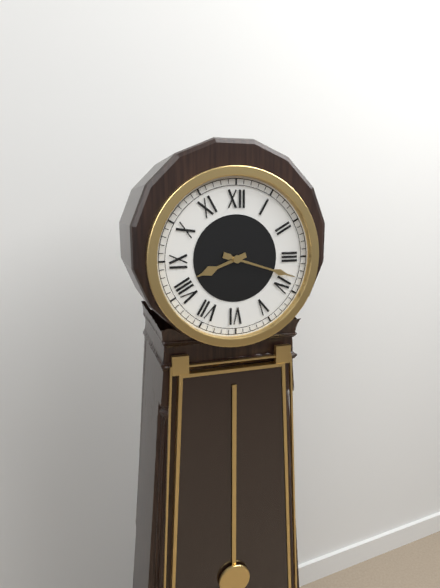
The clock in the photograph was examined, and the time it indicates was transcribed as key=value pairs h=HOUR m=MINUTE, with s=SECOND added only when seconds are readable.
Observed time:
h=8 m=18
